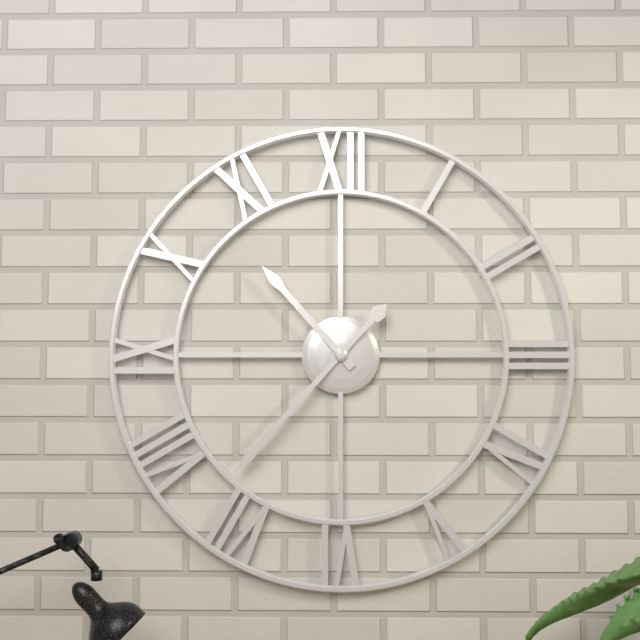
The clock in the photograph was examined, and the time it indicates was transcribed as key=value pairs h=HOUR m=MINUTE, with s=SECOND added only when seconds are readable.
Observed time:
h=10 m=37
